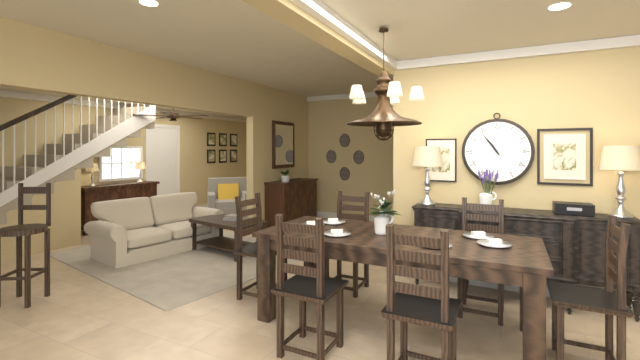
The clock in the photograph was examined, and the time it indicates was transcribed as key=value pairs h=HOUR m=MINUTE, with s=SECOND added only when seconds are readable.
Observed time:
h=10 m=54
